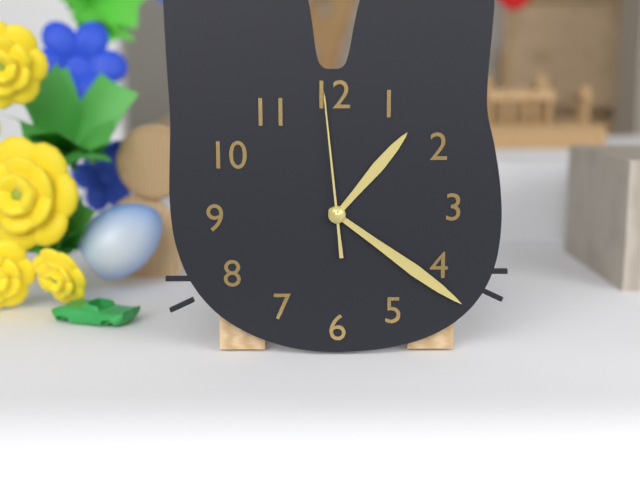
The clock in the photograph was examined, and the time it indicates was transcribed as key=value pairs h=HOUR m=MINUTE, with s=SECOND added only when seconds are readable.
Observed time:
h=1 m=21 s=59
